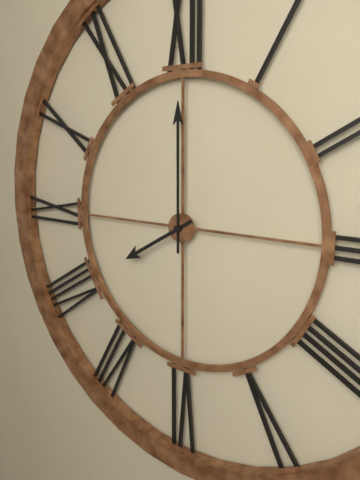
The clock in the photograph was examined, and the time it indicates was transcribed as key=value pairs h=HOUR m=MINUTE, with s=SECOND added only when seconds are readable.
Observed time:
h=8 m=0
